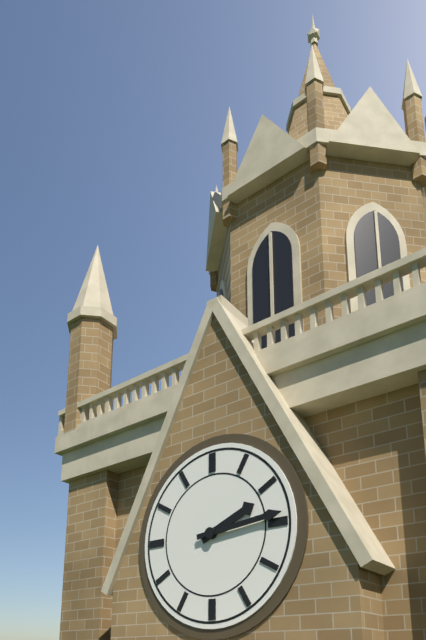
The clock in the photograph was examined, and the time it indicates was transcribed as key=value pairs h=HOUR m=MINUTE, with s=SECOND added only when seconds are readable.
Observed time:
h=2 m=14
